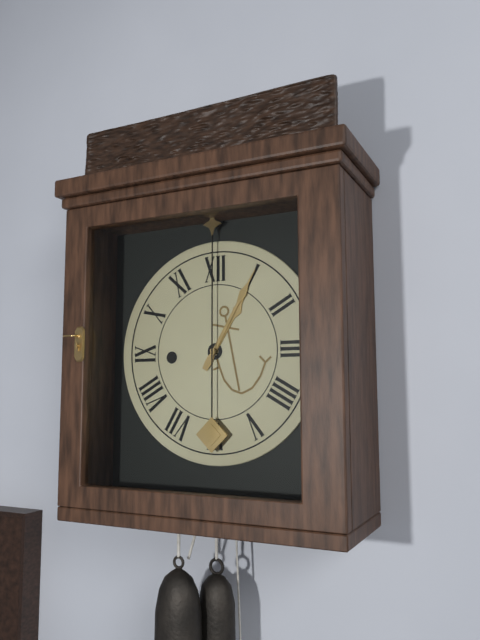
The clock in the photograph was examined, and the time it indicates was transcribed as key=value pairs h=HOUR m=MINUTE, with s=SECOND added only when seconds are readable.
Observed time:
h=1 m=5
